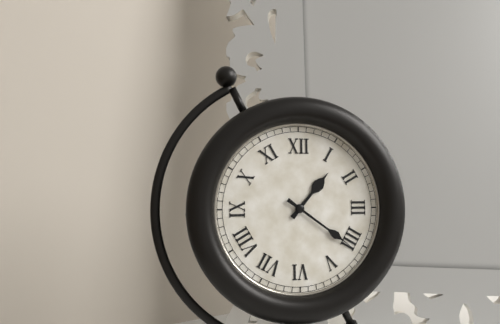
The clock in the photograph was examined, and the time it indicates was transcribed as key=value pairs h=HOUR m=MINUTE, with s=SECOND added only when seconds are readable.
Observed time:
h=1 m=21
